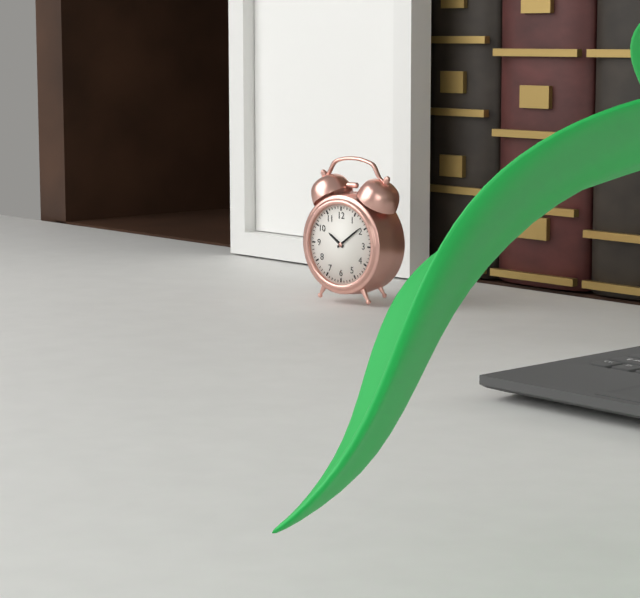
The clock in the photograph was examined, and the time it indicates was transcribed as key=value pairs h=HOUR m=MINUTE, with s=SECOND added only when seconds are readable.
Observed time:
h=10 m=9
